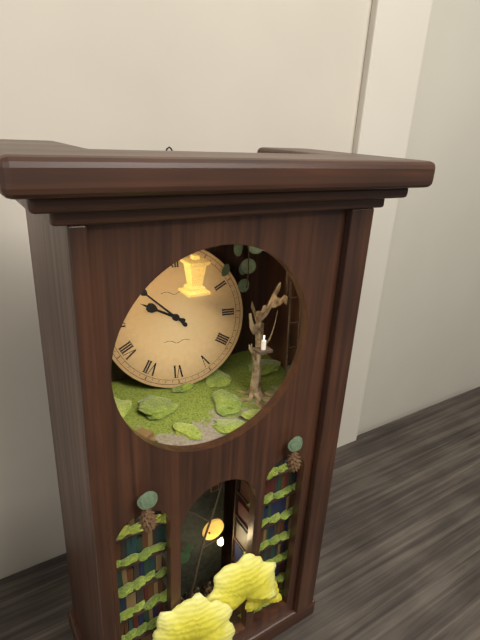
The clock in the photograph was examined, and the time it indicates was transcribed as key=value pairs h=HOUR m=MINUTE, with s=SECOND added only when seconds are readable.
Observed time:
h=9 m=52
